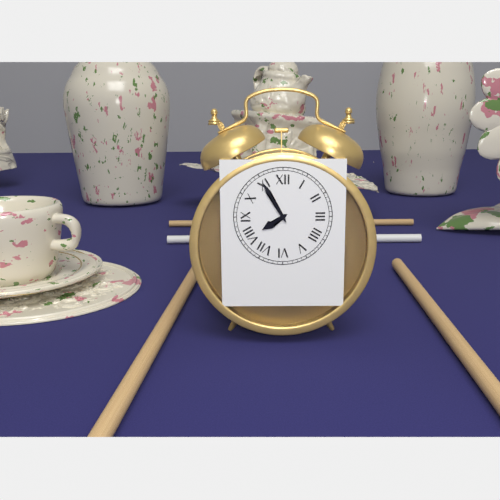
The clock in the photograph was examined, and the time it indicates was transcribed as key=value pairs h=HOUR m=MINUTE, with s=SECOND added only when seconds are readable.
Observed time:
h=7 m=55
